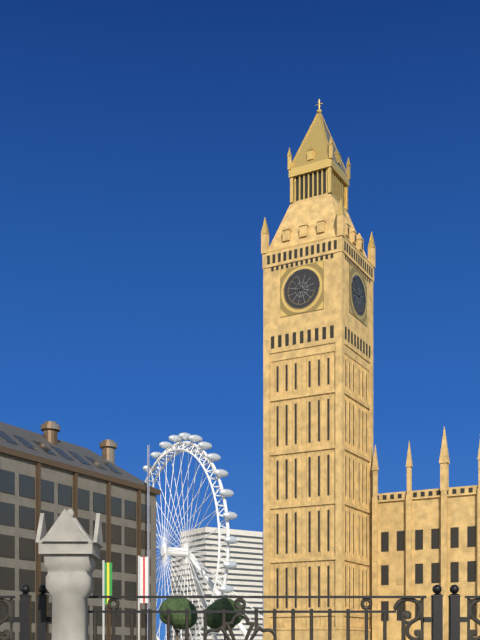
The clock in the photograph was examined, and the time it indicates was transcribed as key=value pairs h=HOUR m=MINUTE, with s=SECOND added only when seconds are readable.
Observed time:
h=8 m=53
